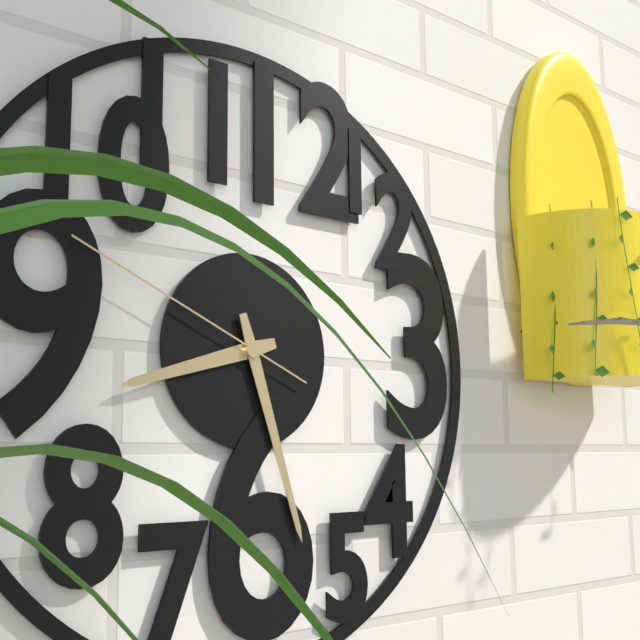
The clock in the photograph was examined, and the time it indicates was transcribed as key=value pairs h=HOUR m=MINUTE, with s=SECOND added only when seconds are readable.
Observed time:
h=8 m=27 s=49
